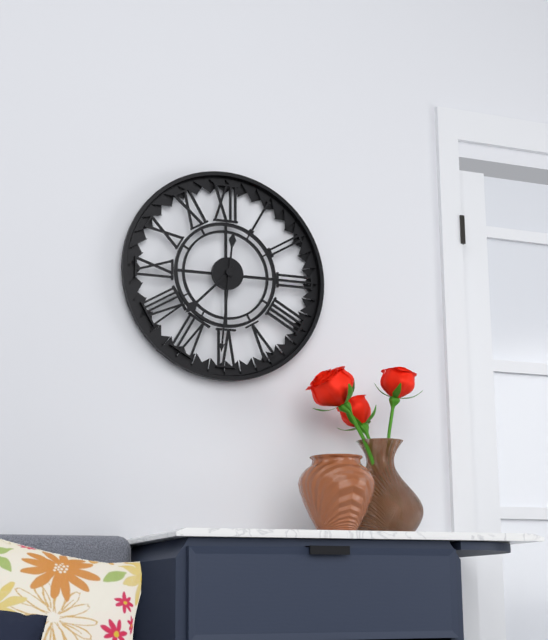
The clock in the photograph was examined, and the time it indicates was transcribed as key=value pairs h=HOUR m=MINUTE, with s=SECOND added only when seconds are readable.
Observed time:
h=7 m=31
